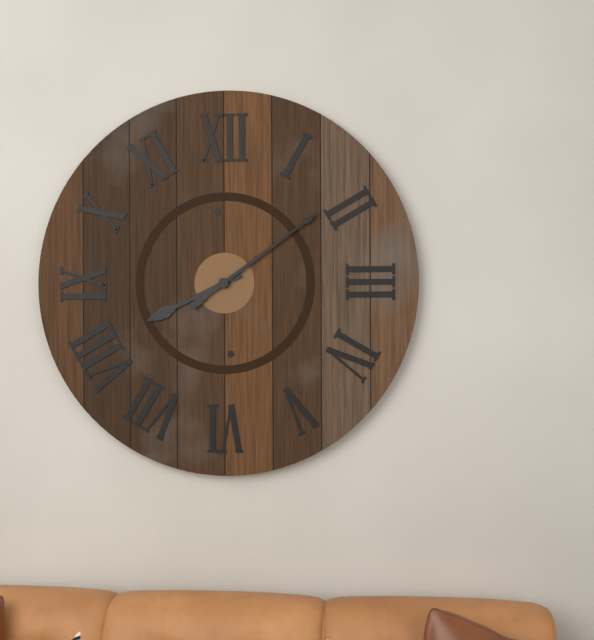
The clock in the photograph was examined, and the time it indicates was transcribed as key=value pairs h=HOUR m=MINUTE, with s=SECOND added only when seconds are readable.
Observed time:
h=8 m=9
